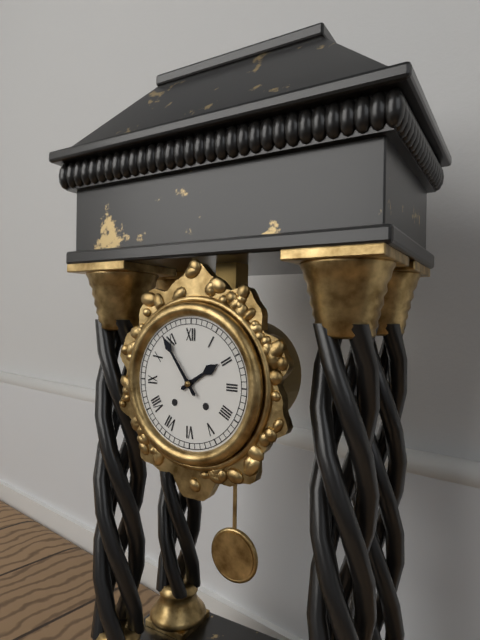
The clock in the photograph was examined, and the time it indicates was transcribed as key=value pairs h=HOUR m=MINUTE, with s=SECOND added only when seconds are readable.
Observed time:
h=1 m=54
